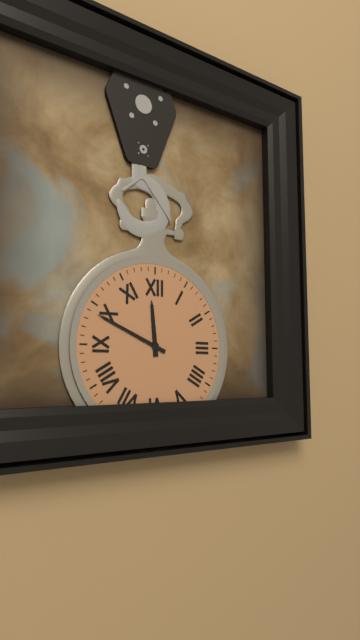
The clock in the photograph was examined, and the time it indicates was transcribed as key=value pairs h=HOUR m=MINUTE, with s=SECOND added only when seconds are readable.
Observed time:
h=11 m=49
